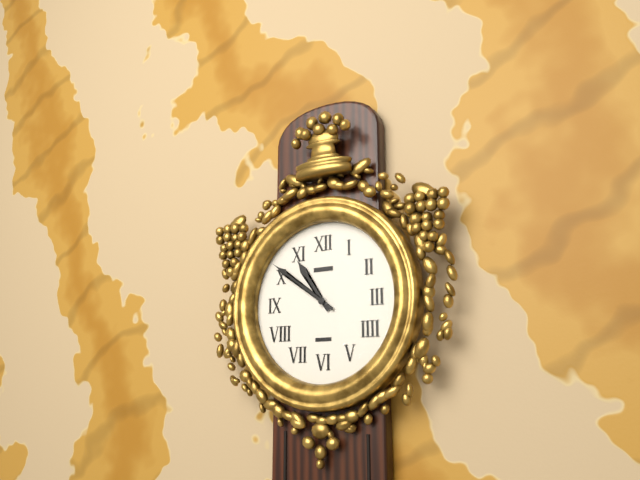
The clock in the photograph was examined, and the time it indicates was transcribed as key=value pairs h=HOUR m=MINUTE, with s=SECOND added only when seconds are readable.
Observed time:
h=10 m=51
